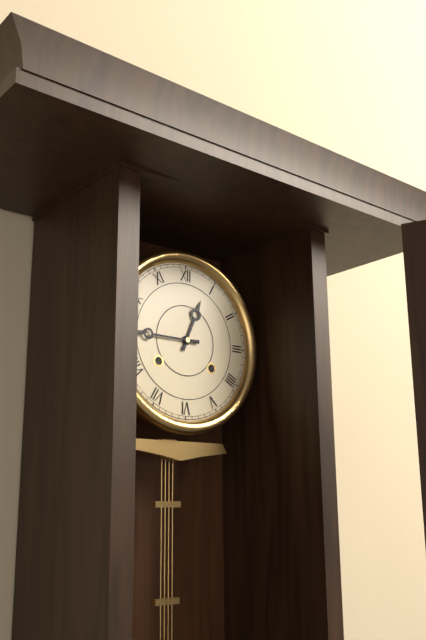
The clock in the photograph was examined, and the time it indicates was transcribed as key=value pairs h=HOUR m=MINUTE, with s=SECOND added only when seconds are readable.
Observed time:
h=12 m=45
